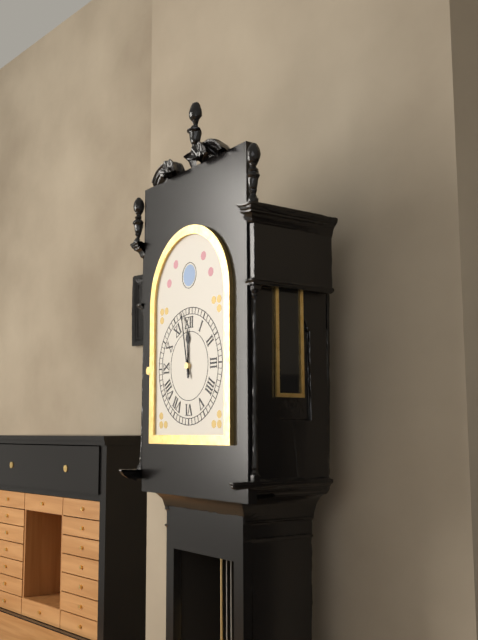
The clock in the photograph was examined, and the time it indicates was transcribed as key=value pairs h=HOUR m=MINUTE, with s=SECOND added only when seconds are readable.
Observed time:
h=11 m=58
